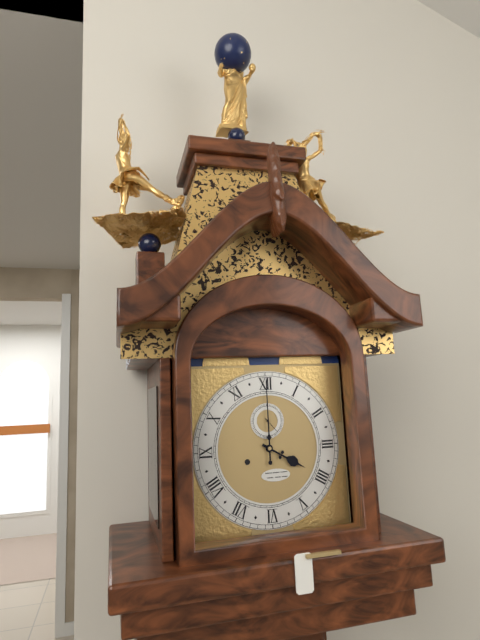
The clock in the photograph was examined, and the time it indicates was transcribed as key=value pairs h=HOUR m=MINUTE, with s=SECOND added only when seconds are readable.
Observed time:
h=4 m=0
